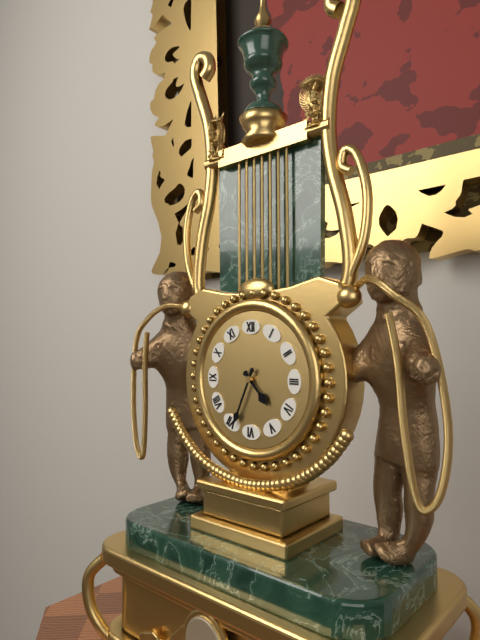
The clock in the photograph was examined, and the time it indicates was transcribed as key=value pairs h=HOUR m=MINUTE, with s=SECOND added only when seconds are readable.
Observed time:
h=4 m=34
